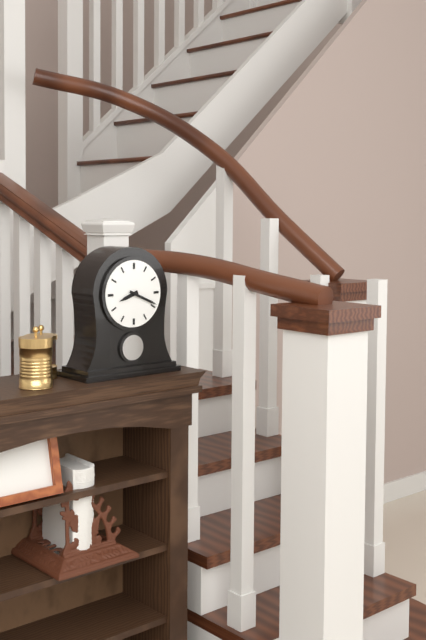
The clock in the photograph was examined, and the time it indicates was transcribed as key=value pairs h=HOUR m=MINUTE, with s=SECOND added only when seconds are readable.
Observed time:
h=8 m=19
